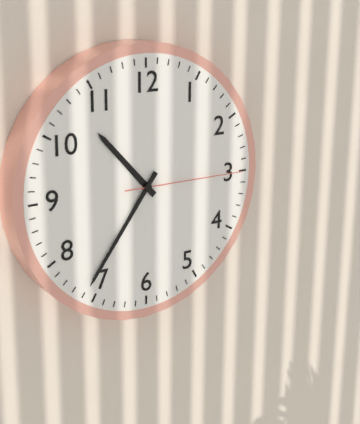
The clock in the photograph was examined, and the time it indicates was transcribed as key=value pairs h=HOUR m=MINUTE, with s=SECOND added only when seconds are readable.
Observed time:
h=10 m=36 s=15
